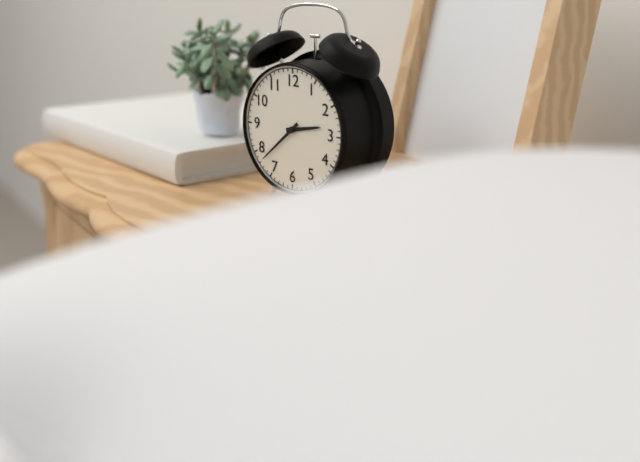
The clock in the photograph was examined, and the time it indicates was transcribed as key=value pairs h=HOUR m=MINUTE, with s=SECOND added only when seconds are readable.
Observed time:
h=2 m=38
